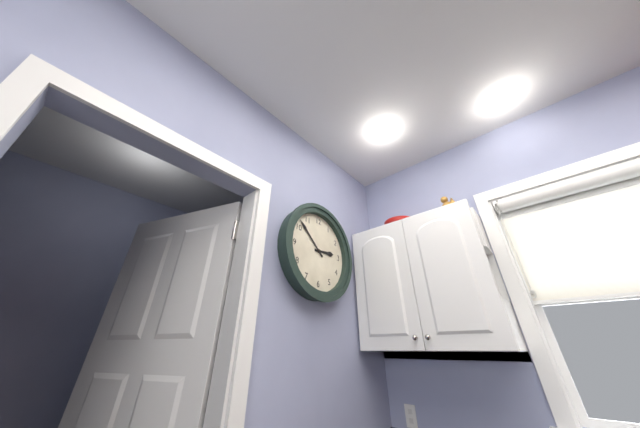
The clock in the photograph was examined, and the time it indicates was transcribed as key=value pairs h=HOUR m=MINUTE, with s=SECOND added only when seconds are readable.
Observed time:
h=2 m=52
